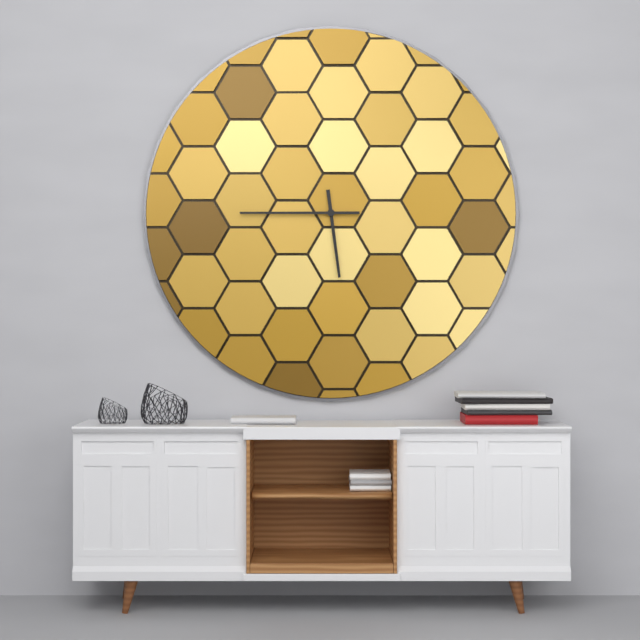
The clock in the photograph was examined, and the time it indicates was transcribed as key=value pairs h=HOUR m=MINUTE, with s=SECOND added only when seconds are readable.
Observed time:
h=5 m=45
